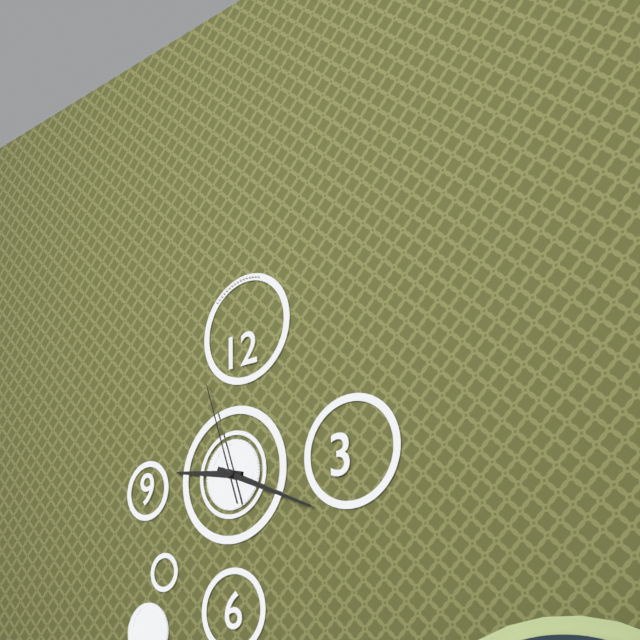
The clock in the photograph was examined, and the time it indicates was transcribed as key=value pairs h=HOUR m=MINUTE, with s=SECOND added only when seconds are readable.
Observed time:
h=9 m=19 s=57
